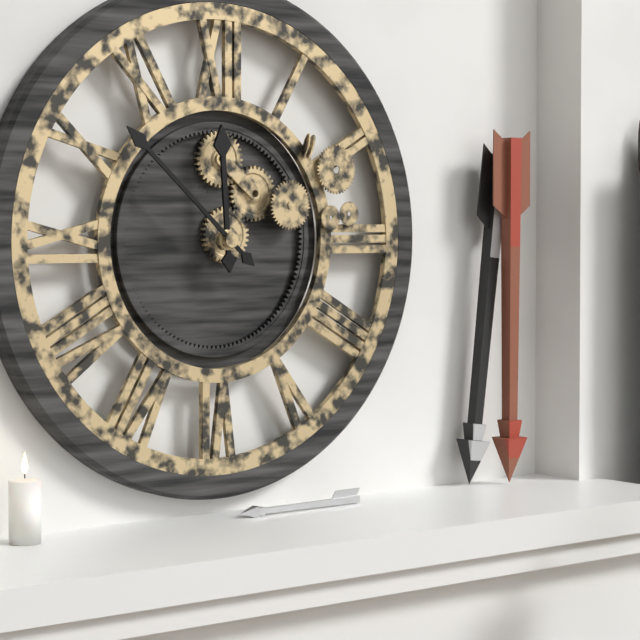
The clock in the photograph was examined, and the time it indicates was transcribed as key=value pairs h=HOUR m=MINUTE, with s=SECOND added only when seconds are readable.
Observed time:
h=11 m=52
